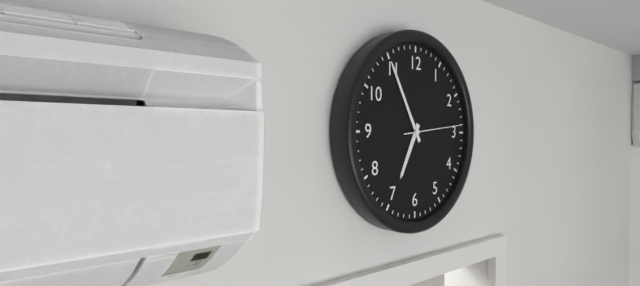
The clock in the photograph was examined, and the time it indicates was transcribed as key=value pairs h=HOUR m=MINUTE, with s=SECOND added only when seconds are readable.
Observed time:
h=6 m=55 s=14
